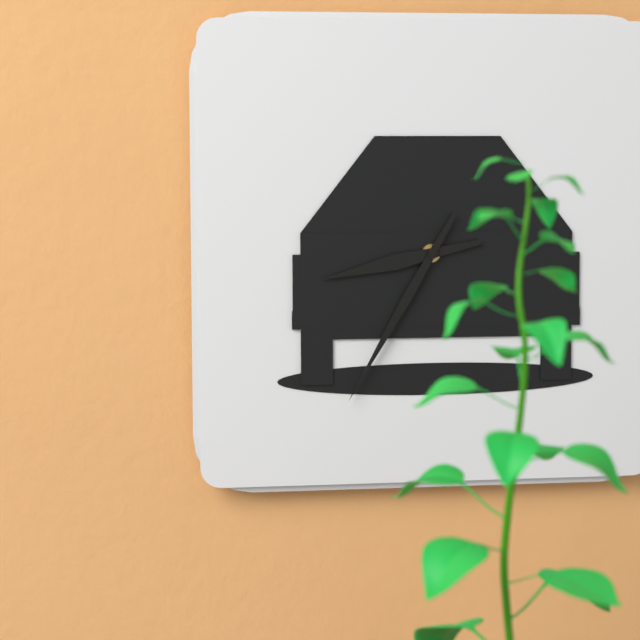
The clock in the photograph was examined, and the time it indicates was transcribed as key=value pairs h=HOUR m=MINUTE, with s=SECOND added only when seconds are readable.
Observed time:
h=8 m=35
